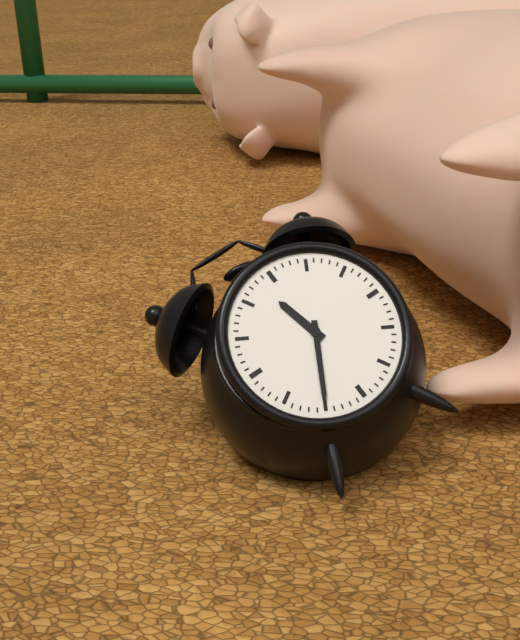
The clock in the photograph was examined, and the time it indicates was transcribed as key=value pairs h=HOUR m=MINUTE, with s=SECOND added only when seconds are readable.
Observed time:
h=11 m=35
